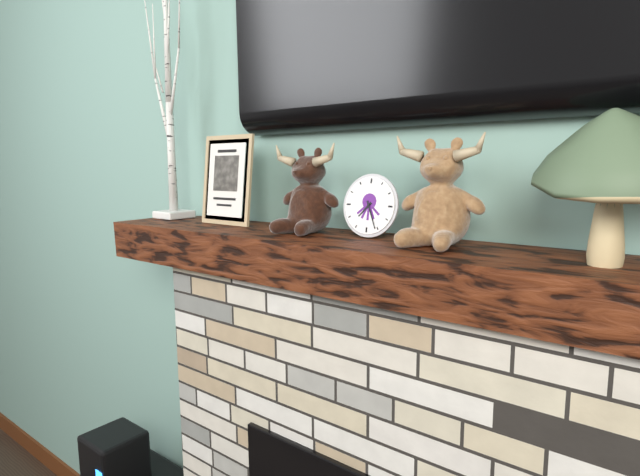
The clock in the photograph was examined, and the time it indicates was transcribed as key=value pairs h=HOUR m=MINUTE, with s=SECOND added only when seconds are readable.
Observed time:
h=7 m=26
